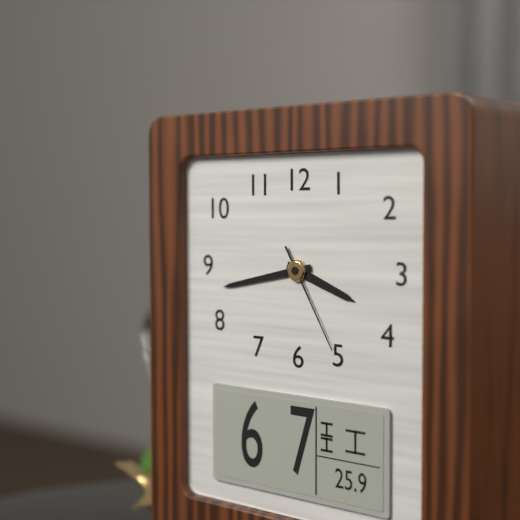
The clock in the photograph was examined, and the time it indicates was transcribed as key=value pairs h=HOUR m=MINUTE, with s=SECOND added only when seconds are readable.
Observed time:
h=3 m=43 s=25
